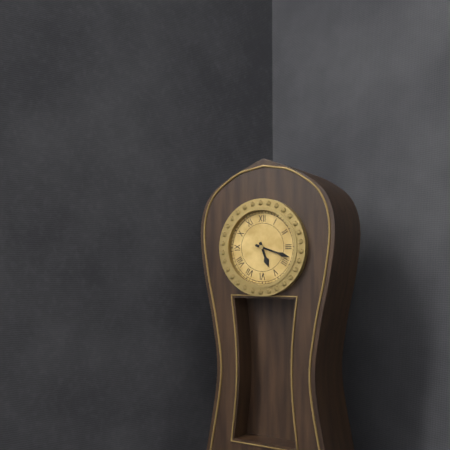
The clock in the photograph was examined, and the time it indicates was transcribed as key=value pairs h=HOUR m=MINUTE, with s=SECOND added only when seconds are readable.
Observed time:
h=5 m=18
